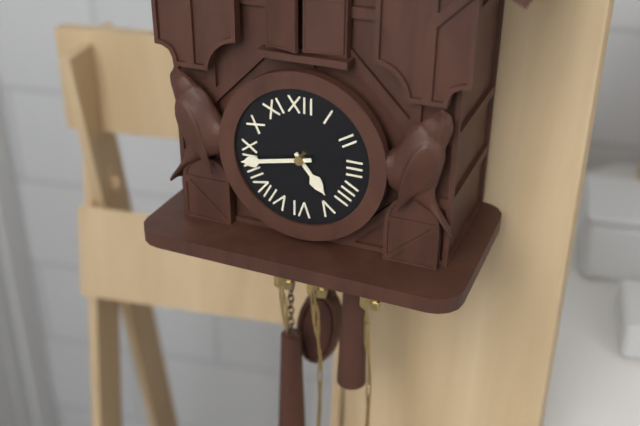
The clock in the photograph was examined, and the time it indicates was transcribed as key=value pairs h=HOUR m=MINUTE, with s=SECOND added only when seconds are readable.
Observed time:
h=4 m=43
